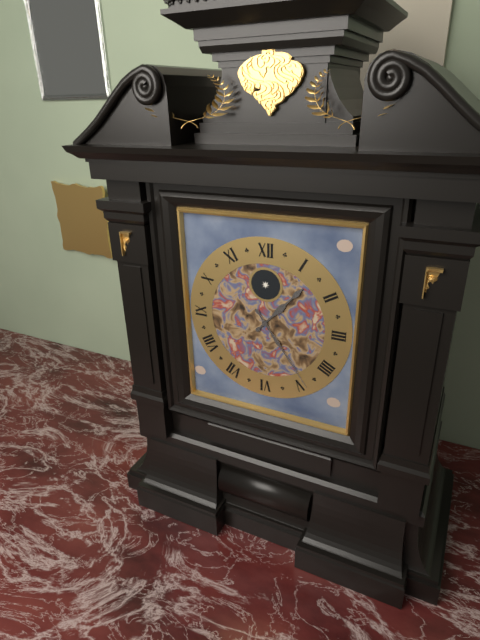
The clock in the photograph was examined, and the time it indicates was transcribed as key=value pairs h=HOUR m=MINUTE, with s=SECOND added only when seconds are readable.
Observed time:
h=1 m=24
